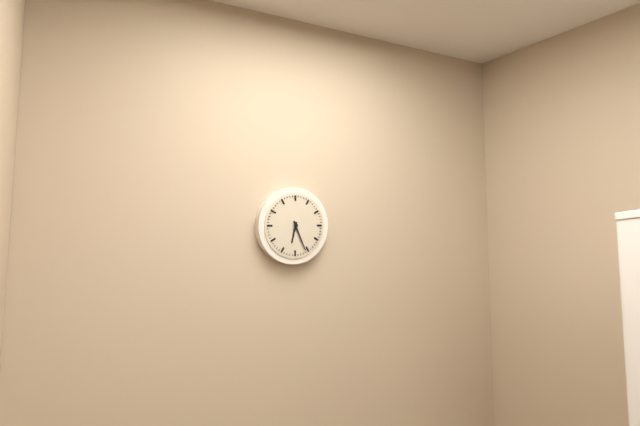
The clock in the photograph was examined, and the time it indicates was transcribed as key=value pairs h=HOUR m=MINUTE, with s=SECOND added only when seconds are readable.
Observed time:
h=6 m=26
